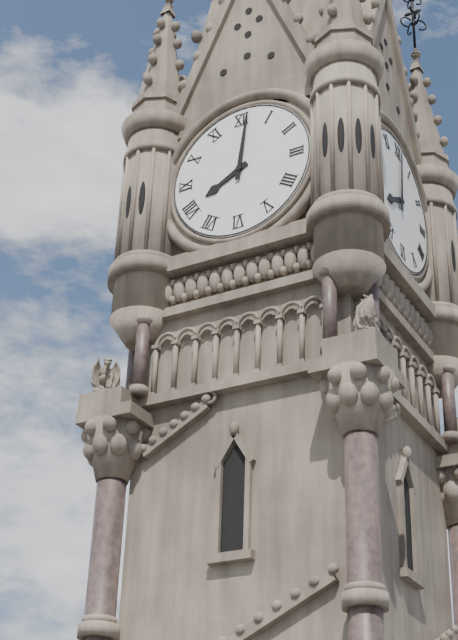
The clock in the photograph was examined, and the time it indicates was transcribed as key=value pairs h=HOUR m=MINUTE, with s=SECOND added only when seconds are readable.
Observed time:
h=8 m=1
